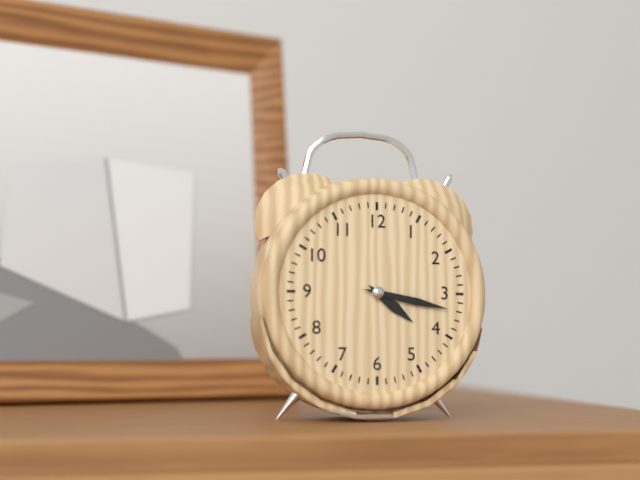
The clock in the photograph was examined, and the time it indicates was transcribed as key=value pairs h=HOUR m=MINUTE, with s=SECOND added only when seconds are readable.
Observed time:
h=4 m=17
